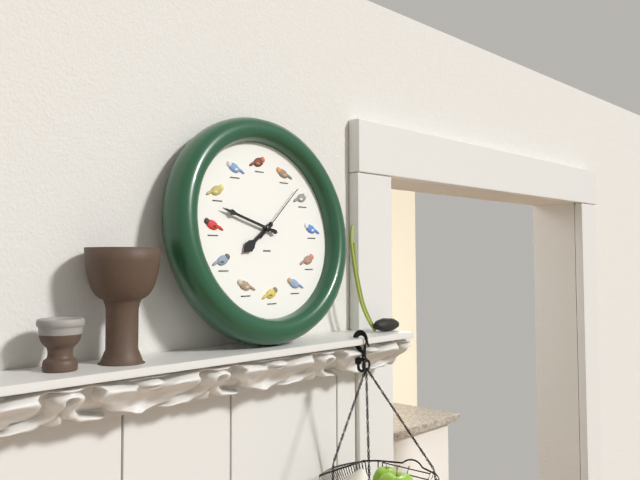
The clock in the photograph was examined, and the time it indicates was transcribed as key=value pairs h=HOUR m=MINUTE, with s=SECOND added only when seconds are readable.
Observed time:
h=7 m=48 s=8
